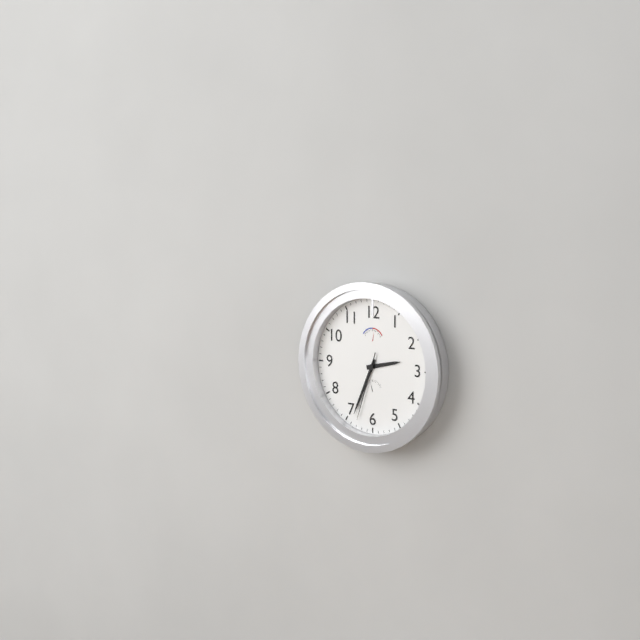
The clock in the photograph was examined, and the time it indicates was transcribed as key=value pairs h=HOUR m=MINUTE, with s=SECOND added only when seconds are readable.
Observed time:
h=2 m=34 s=33
